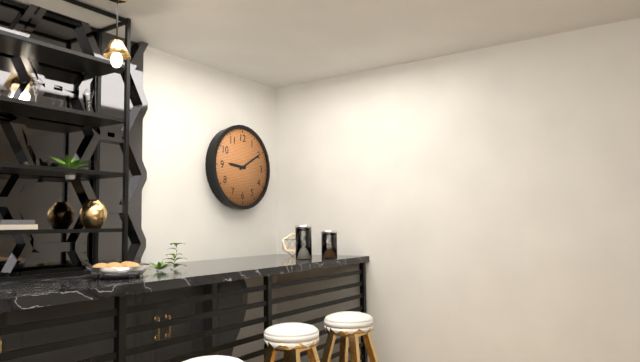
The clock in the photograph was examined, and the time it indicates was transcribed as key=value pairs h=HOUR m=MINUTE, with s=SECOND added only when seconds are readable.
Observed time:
h=9 m=10
